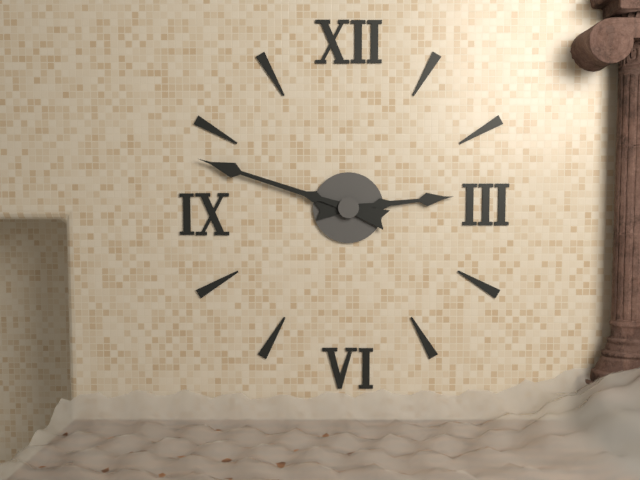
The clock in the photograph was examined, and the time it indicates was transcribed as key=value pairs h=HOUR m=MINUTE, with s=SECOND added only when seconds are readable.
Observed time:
h=2 m=48
